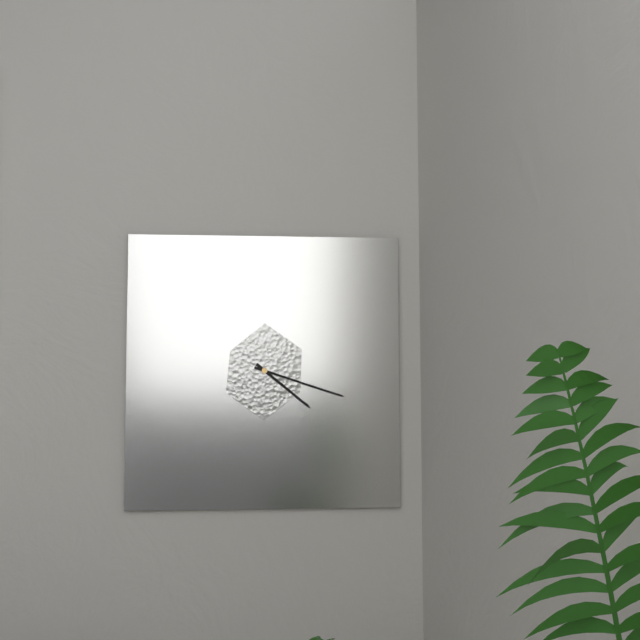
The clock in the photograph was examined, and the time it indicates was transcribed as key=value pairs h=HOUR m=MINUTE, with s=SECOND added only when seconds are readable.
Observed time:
h=4 m=18
